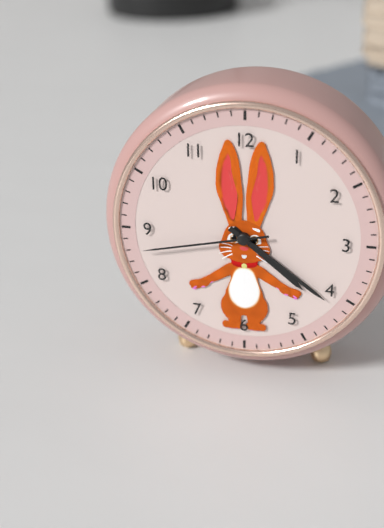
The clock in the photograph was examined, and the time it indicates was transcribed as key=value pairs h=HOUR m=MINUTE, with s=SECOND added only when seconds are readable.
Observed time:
h=4 m=21 s=43
